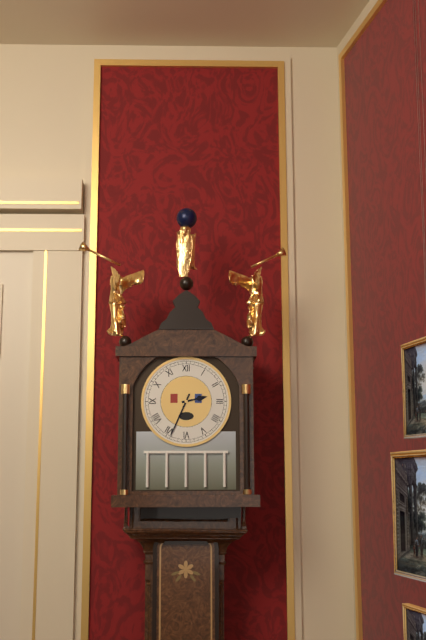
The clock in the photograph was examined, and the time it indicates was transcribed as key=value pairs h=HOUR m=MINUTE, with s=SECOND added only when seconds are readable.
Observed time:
h=2 m=34
